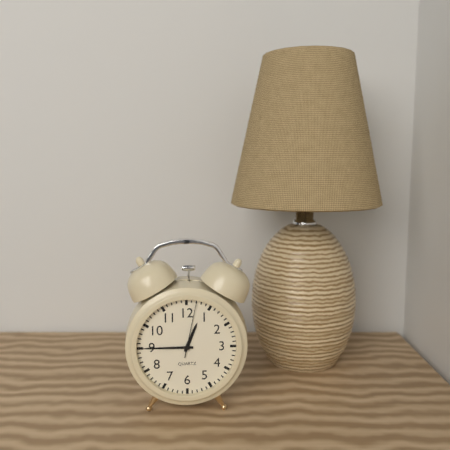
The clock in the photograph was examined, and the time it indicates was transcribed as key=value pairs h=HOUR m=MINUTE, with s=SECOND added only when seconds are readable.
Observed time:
h=12 m=45 s=2
